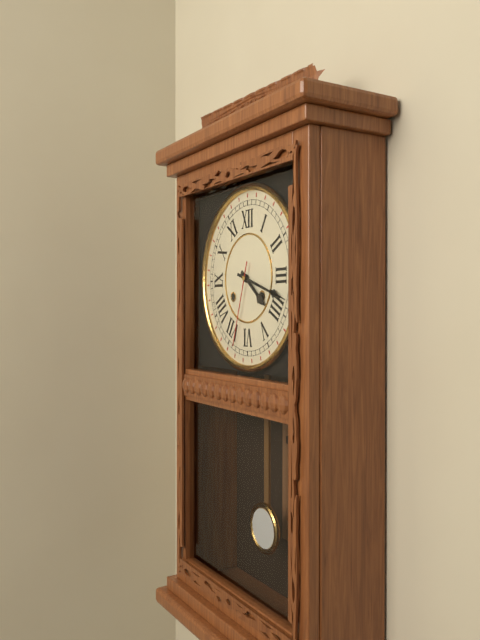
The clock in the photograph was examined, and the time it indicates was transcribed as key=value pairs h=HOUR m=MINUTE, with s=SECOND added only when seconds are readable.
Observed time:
h=4 m=18 s=33
